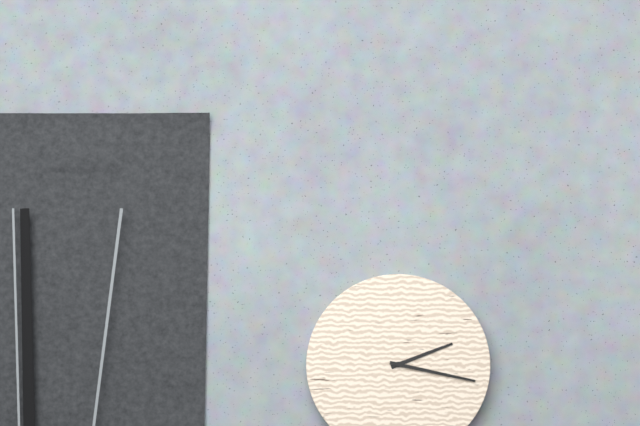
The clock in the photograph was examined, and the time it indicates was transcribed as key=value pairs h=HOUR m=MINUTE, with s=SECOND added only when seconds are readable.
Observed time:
h=2 m=17
